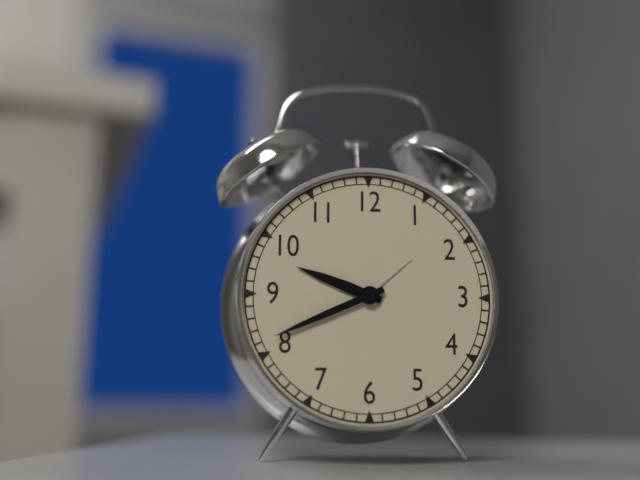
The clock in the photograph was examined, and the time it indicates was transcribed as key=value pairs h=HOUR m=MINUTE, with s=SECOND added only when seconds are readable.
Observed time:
h=9 m=41
